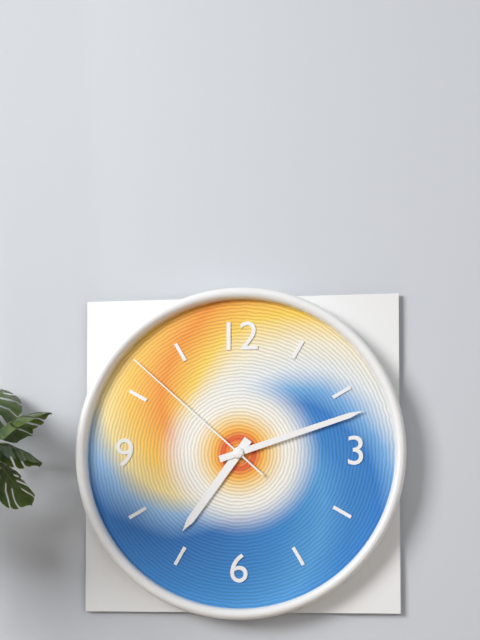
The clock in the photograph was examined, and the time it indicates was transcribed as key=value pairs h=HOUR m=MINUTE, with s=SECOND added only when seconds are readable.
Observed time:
h=7 m=12 s=52
